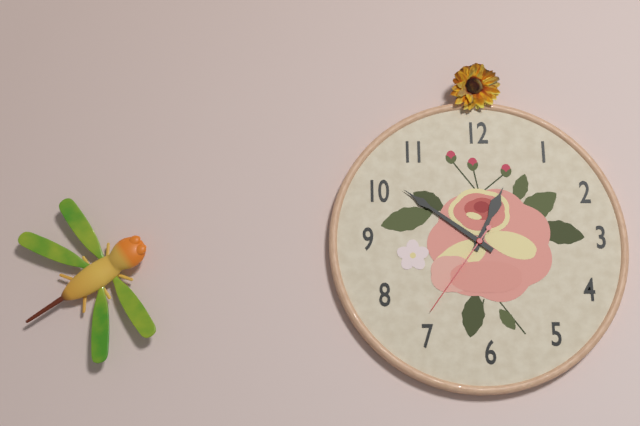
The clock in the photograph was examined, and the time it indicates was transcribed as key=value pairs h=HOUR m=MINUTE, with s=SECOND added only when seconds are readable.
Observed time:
h=12 m=51 s=36
